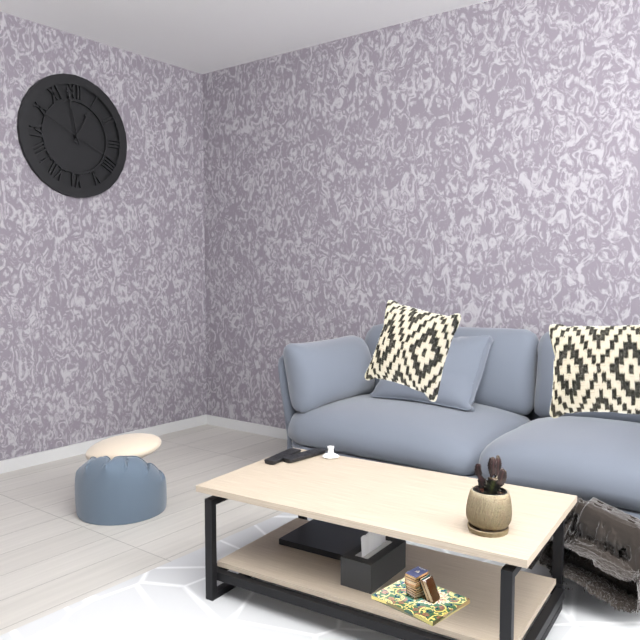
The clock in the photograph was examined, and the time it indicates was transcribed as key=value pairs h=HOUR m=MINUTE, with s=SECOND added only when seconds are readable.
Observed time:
h=12 m=58 s=19
